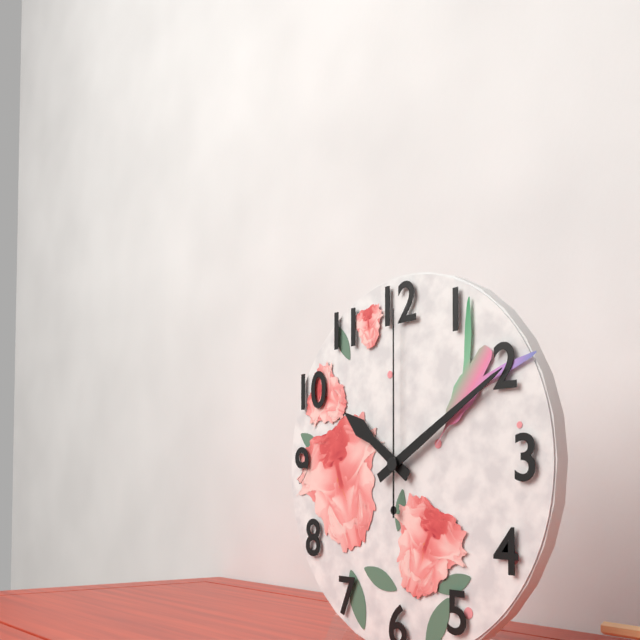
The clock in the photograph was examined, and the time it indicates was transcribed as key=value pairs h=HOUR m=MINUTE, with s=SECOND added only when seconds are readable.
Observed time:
h=10 m=10 s=0
